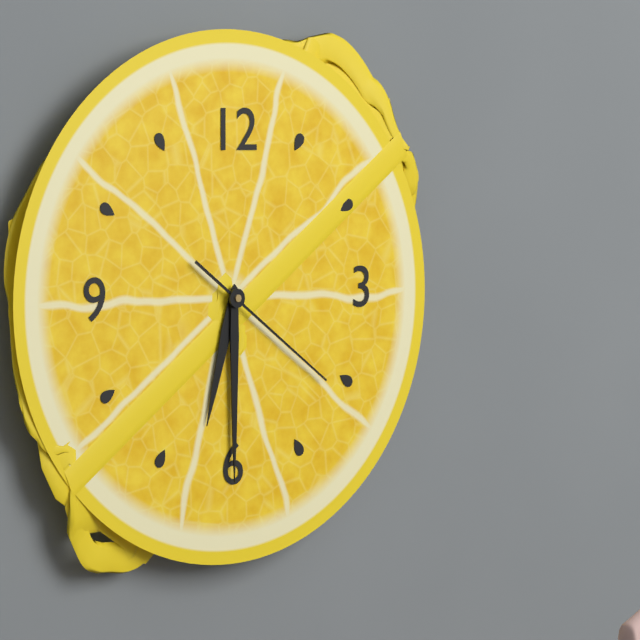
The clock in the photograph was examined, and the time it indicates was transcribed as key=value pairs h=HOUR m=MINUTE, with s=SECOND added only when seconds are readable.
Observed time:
h=6 m=30 s=21
